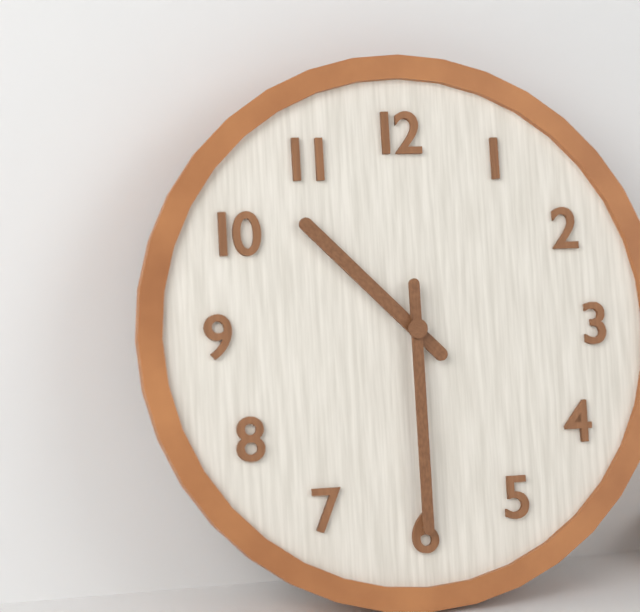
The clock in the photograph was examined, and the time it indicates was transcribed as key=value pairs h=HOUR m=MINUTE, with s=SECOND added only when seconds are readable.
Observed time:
h=10 m=30
